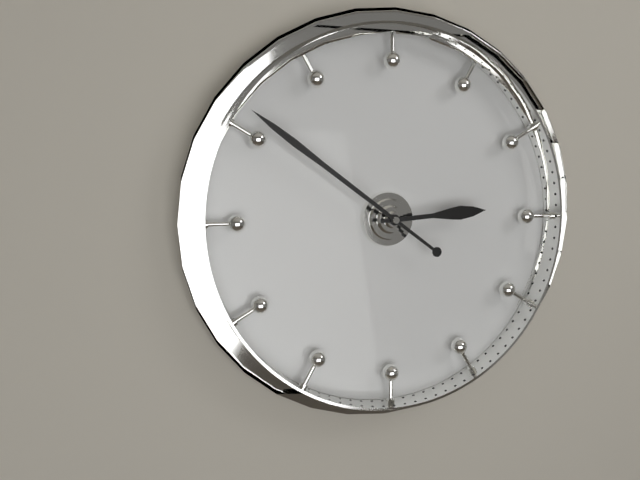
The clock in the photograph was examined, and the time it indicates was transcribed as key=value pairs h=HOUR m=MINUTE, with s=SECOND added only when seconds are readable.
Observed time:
h=2 m=51
